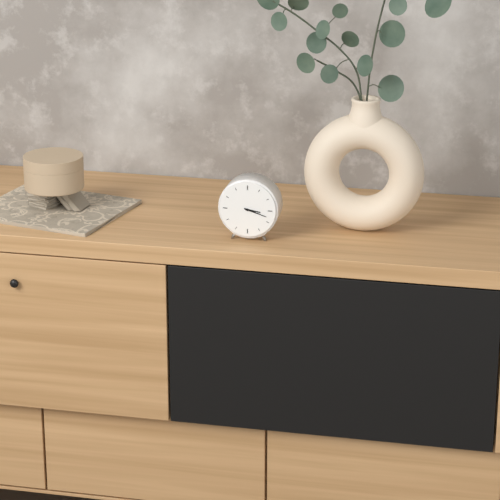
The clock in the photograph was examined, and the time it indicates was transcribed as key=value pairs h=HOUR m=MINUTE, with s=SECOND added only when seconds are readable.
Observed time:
h=3 m=18
